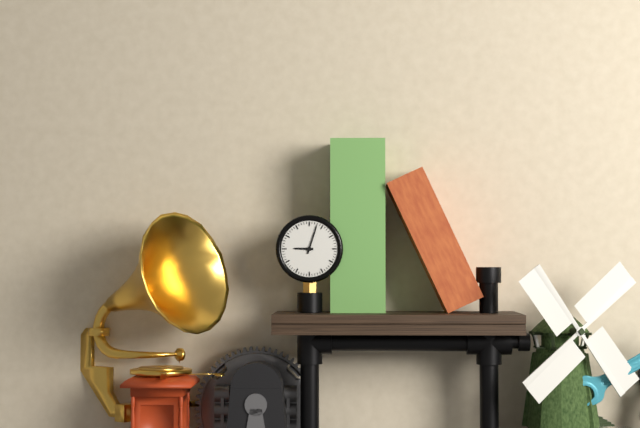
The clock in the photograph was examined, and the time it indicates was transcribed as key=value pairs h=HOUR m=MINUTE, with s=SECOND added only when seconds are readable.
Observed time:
h=9 m=3
